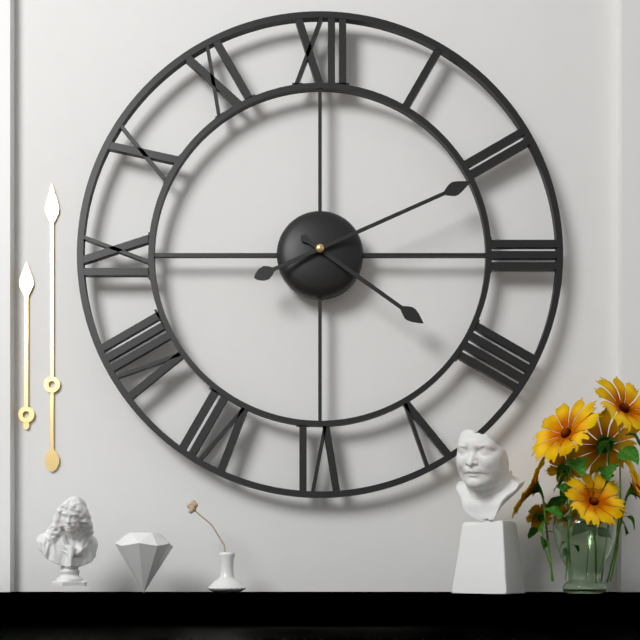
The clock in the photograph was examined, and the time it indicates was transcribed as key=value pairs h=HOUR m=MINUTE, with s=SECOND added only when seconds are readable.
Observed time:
h=4 m=11
